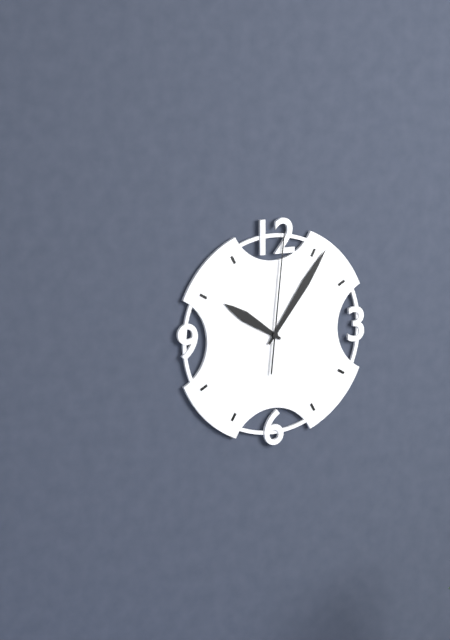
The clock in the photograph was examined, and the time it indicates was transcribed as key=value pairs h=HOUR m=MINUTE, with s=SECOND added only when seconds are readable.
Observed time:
h=10 m=6 s=1
